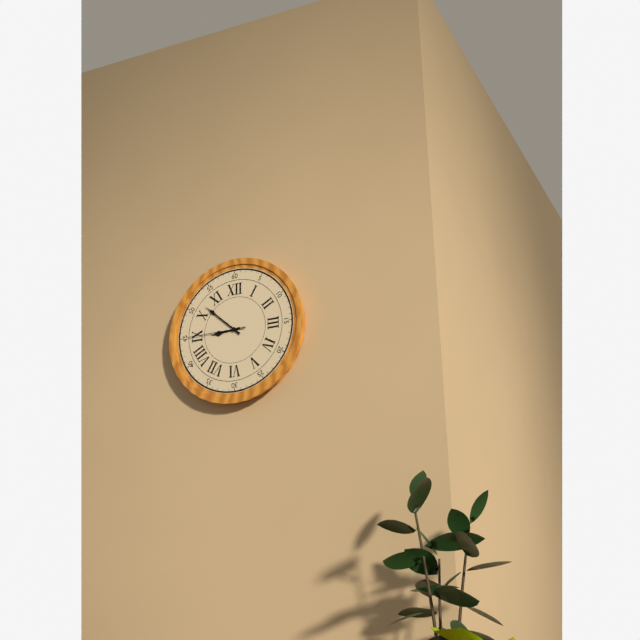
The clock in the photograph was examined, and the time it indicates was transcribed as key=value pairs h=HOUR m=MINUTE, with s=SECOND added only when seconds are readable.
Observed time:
h=8 m=52 s=45
